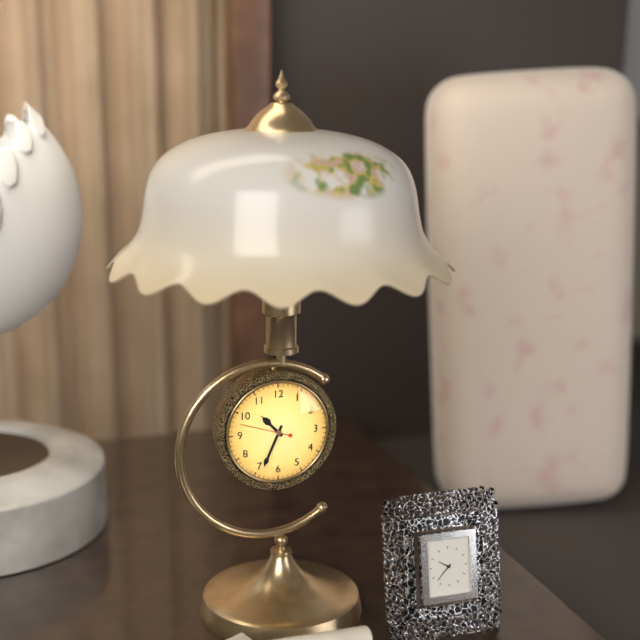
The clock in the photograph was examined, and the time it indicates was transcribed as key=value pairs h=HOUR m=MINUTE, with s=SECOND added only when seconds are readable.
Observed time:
h=10 m=34
